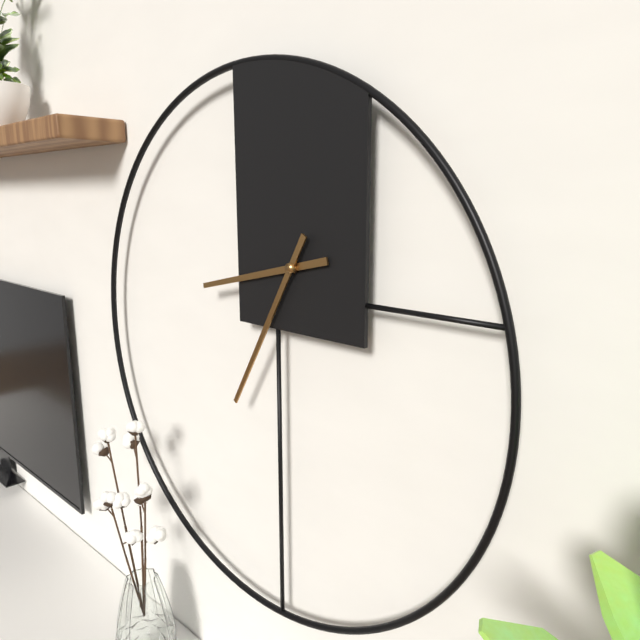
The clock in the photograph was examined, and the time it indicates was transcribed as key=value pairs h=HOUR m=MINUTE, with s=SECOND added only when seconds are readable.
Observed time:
h=8 m=35
